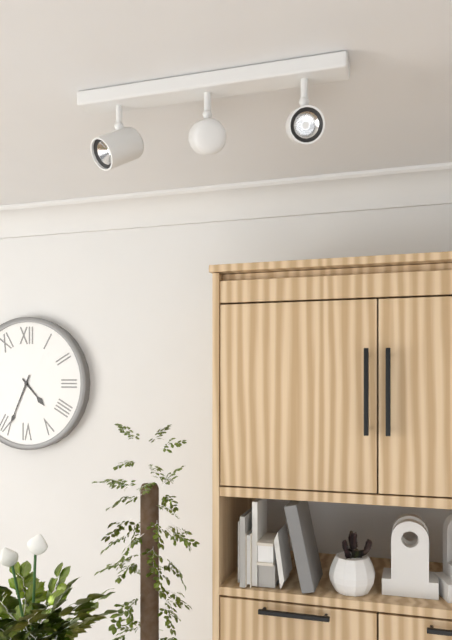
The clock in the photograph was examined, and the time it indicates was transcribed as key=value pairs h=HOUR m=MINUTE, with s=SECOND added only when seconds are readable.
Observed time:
h=4 m=34
